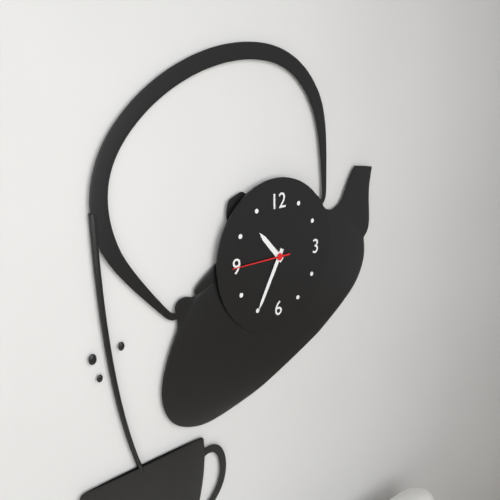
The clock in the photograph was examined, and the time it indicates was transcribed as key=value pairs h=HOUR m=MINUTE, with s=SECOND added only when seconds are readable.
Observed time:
h=10 m=35 s=45
